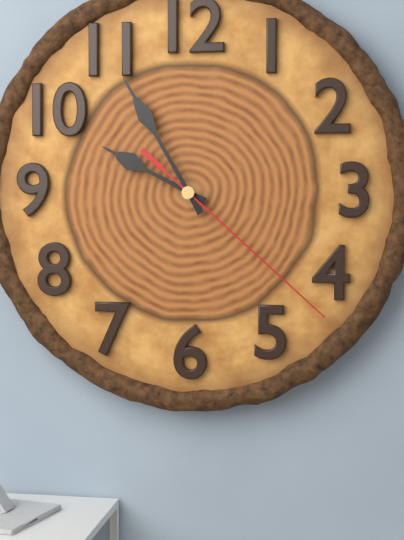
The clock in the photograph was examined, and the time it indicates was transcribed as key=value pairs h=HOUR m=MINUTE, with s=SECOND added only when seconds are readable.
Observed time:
h=9 m=55 s=22
